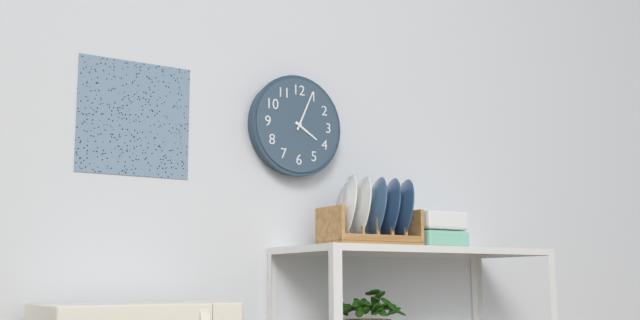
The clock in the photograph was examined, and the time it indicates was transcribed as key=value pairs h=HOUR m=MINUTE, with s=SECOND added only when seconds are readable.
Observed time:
h=4 m=4
